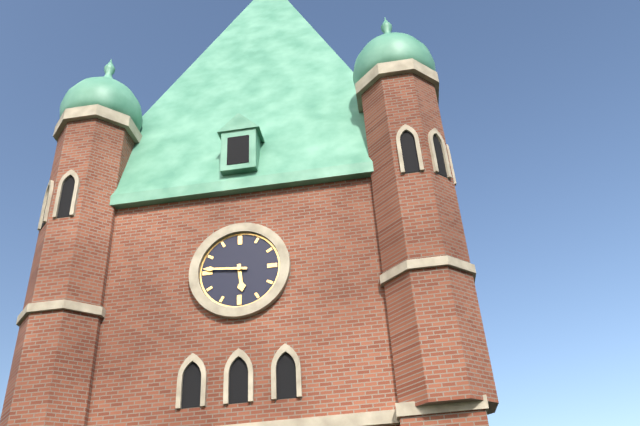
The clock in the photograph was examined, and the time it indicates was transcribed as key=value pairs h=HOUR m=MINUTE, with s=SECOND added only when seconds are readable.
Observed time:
h=5 m=46
